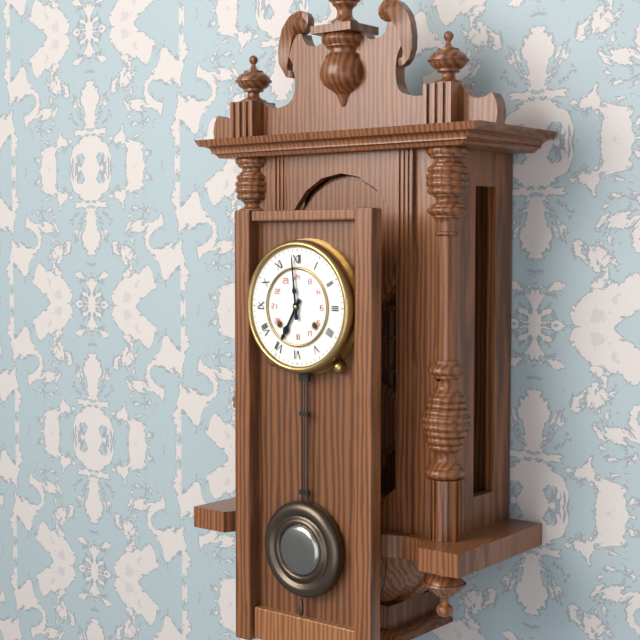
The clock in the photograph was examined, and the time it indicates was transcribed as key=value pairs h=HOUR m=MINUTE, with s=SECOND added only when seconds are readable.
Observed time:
h=6 m=59
